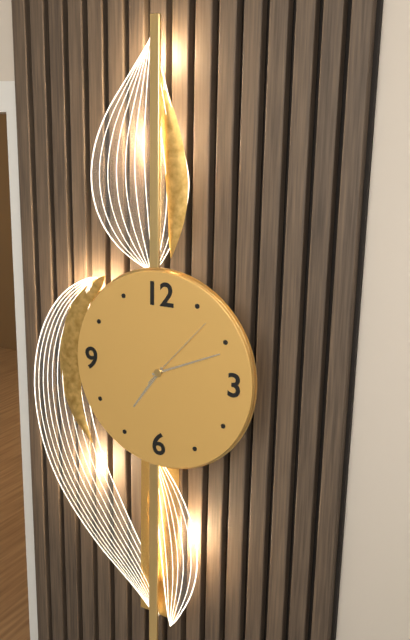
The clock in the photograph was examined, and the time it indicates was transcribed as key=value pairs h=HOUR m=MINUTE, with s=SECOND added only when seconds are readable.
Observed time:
h=7 m=11 s=7
